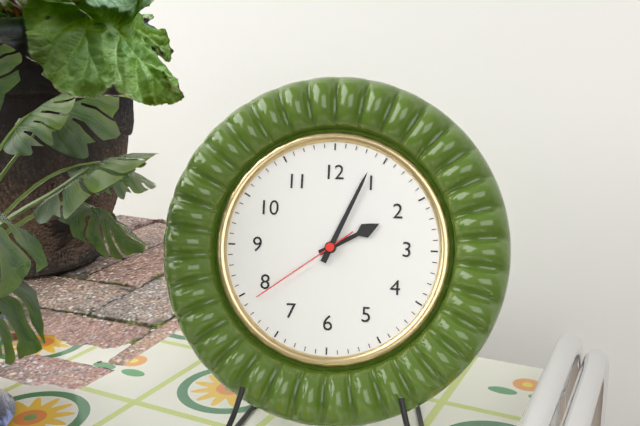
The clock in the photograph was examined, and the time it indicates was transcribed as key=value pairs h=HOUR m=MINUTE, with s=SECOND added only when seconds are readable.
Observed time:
h=2 m=4 s=39
